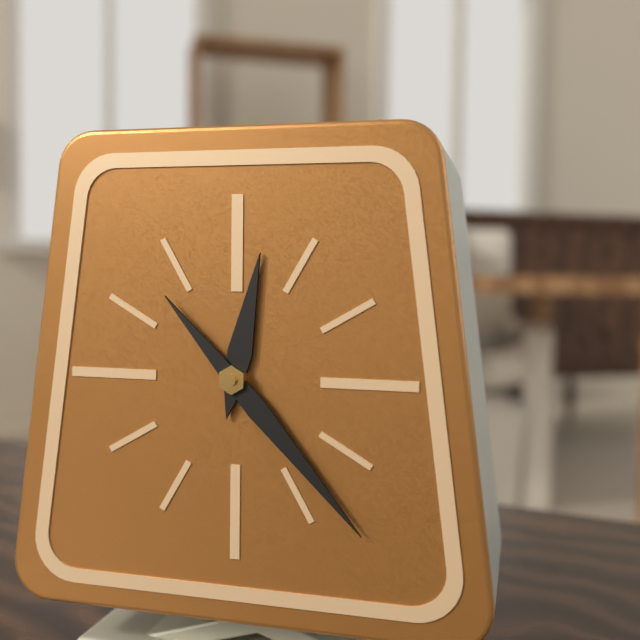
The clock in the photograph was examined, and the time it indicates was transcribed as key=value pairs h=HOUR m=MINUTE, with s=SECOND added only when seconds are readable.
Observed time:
h=12 m=23
